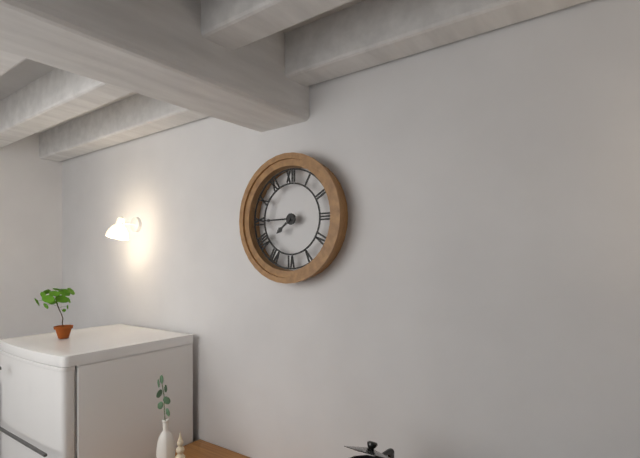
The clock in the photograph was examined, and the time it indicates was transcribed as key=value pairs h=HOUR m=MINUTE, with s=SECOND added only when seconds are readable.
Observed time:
h=7 m=45
